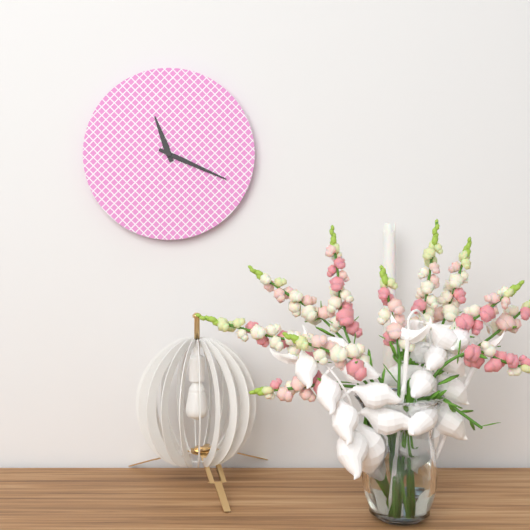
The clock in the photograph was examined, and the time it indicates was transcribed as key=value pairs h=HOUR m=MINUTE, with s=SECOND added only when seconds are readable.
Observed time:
h=11 m=19
